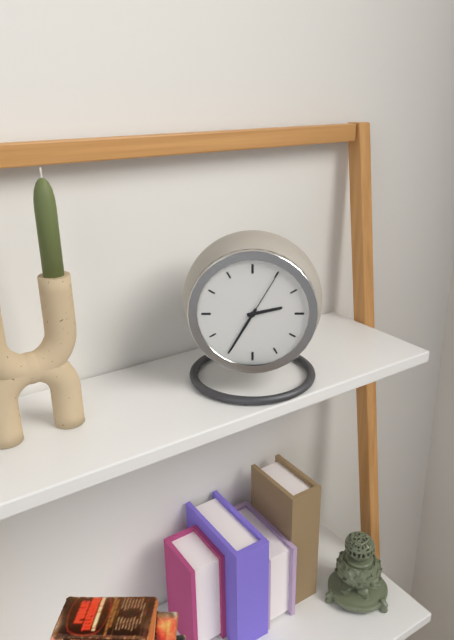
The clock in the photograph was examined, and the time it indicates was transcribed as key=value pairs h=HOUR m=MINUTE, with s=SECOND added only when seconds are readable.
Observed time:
h=2 m=35 s=5
